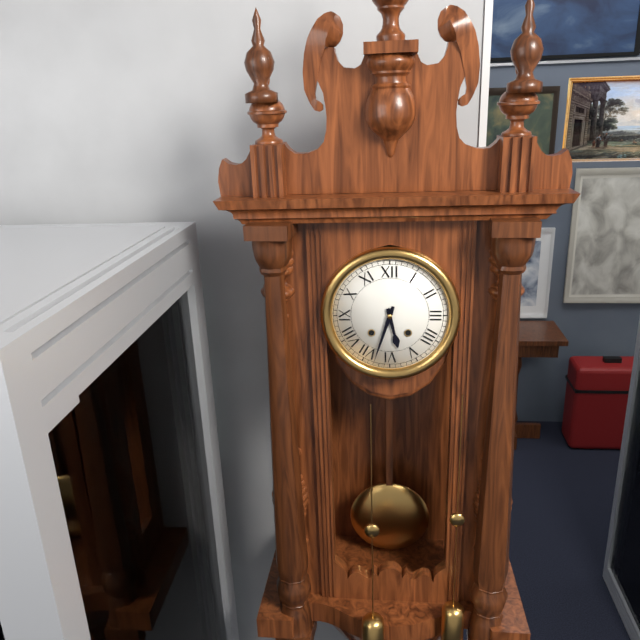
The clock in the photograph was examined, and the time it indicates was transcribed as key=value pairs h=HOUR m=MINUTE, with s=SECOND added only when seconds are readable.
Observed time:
h=5 m=33
